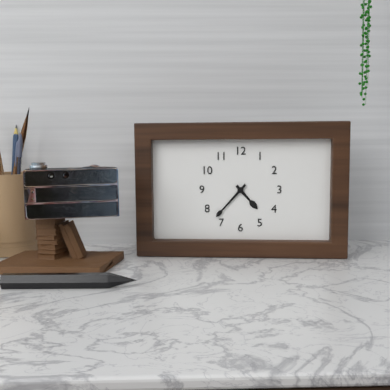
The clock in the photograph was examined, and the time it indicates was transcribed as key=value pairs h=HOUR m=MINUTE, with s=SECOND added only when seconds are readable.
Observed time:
h=4 m=37
